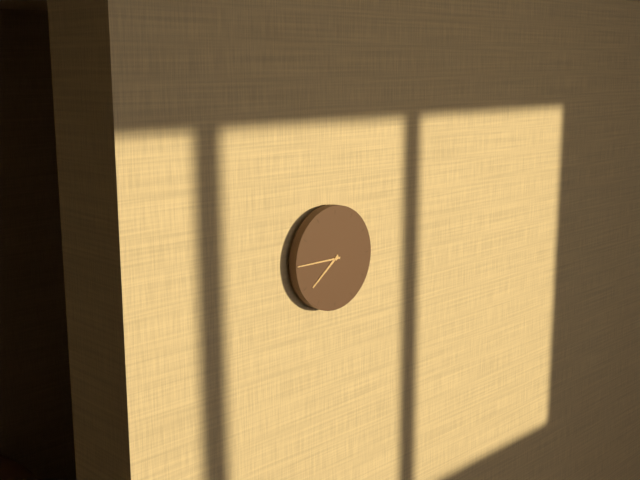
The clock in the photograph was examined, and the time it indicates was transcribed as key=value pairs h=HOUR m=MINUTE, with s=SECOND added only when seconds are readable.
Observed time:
h=7 m=45
